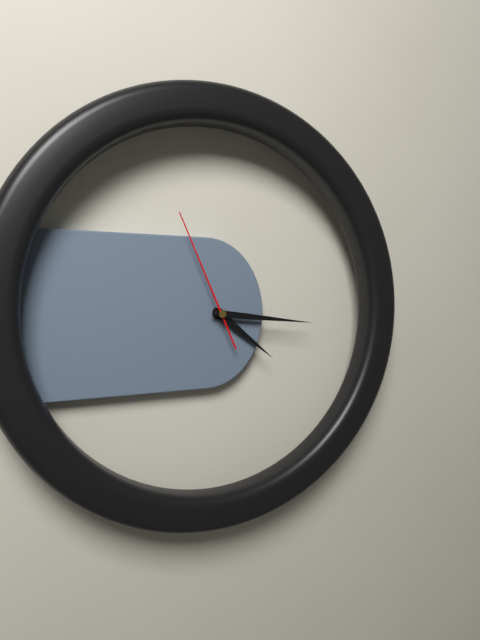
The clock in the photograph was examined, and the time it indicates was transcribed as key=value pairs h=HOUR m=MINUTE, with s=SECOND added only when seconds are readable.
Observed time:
h=4 m=16 s=56
